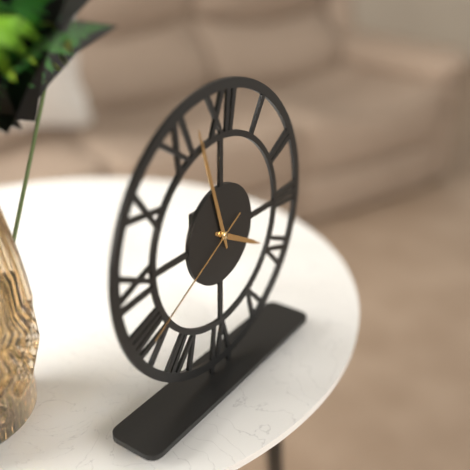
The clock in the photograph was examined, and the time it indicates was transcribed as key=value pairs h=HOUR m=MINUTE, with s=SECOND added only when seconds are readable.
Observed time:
h=3 m=57 s=40
